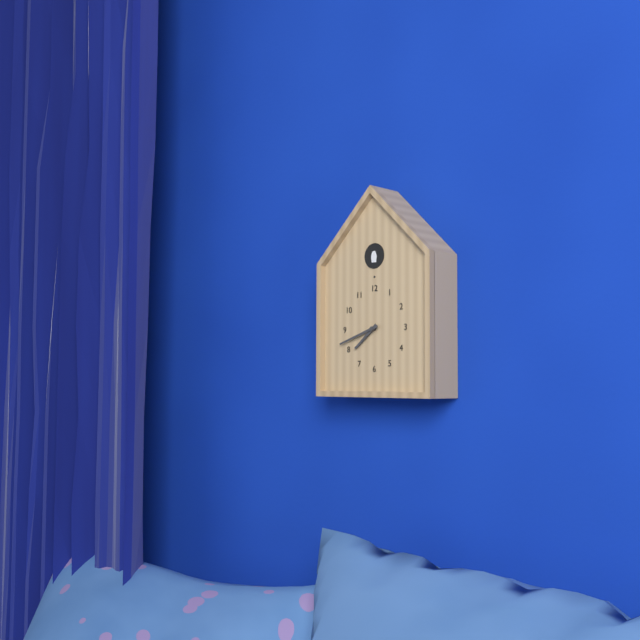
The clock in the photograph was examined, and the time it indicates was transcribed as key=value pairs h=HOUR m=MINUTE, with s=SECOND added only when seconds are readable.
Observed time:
h=7 m=42
